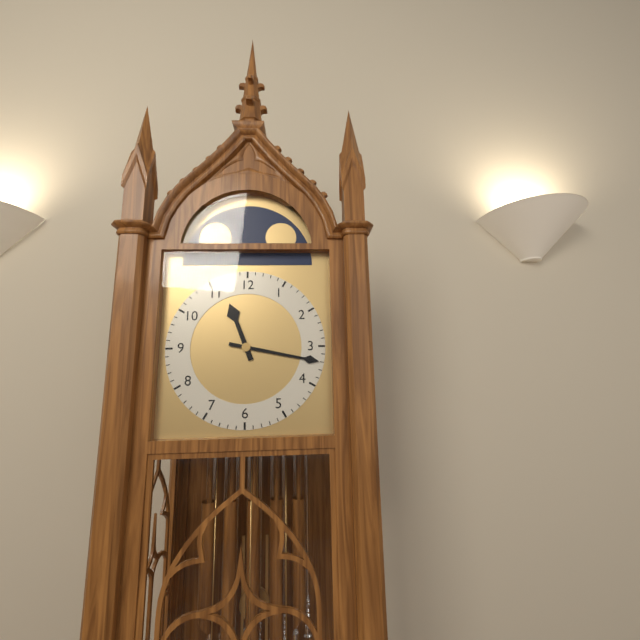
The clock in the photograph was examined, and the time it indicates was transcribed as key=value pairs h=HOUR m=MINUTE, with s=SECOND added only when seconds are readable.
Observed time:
h=11 m=17
